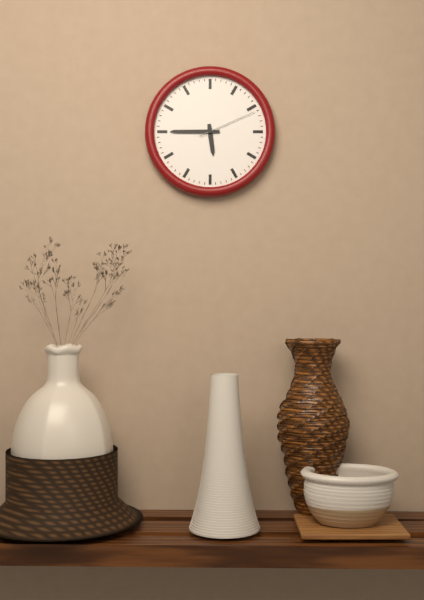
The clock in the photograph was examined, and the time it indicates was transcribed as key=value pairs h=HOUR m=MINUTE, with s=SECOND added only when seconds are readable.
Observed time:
h=5 m=45 s=11
